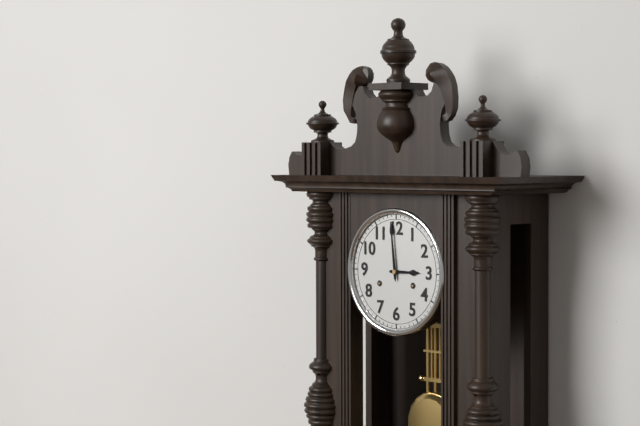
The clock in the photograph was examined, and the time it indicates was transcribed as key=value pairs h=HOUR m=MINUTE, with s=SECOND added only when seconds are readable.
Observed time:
h=2 m=59
